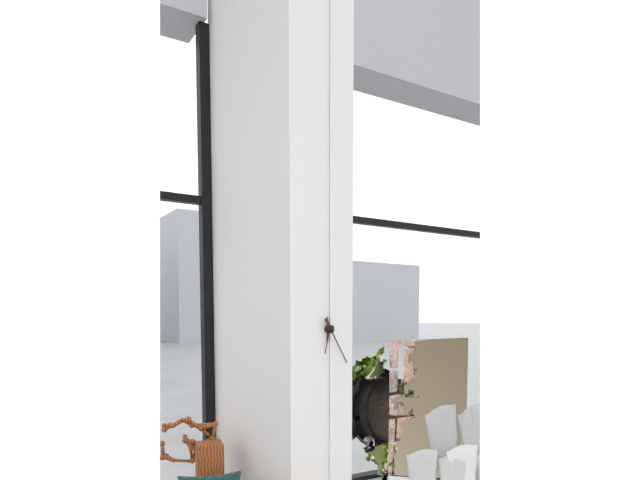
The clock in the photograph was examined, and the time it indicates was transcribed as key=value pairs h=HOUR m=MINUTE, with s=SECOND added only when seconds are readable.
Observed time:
h=6 m=25
